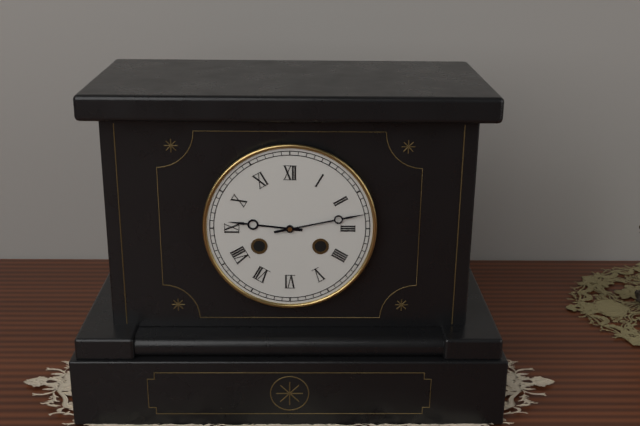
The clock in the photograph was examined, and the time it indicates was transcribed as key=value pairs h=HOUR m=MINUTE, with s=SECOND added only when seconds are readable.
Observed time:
h=9 m=13
